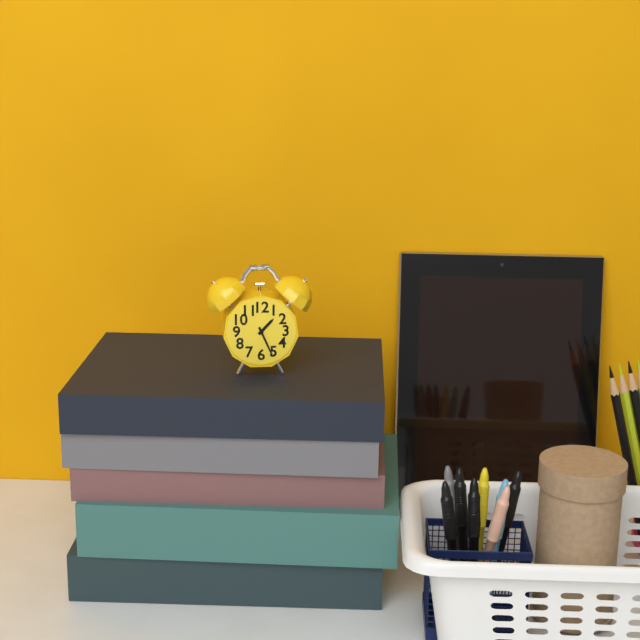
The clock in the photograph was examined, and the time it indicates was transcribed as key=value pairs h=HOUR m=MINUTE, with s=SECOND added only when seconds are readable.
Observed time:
h=1 m=26
